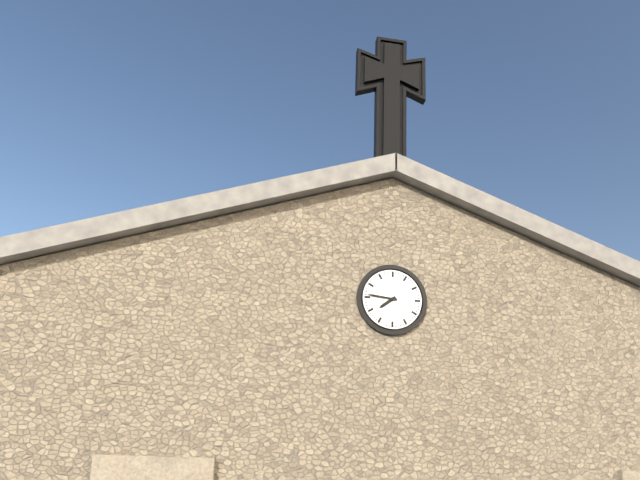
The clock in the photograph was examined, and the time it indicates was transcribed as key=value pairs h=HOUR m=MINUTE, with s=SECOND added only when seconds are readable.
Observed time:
h=7 m=46
